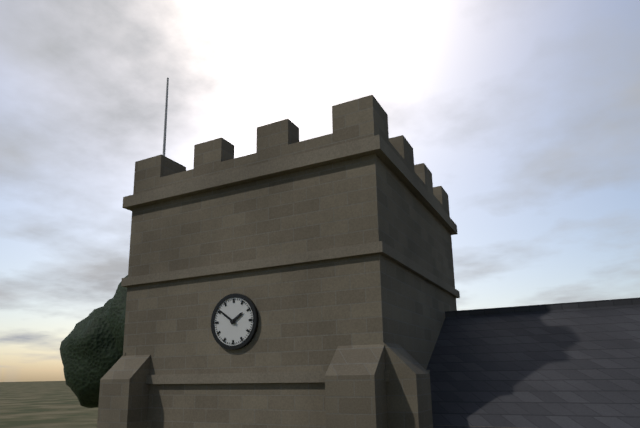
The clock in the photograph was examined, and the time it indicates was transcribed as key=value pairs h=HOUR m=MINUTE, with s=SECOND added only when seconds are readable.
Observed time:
h=1 m=51
